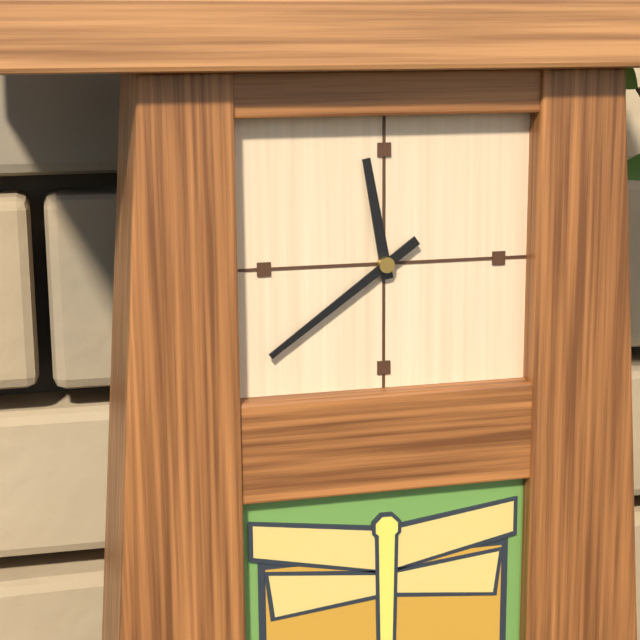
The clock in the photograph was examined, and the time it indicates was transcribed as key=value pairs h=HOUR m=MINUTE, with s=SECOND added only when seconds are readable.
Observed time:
h=11 m=39
